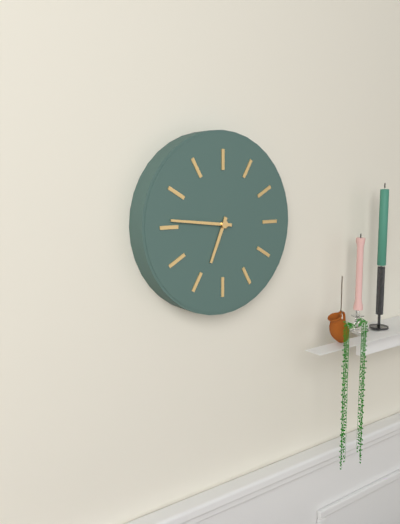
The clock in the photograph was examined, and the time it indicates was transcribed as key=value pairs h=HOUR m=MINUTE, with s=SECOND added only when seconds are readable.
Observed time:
h=6 m=46
